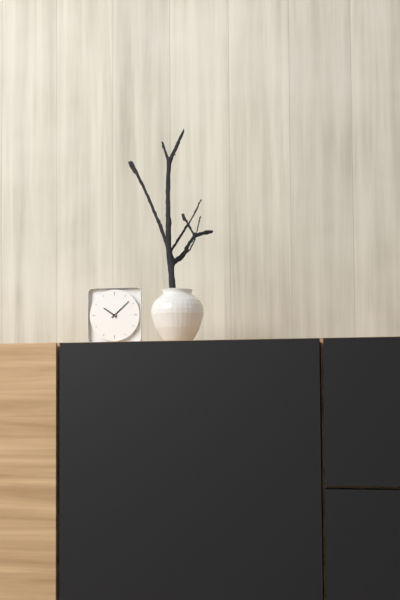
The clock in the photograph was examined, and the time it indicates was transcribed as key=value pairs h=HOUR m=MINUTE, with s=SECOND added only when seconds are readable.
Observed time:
h=10 m=8
